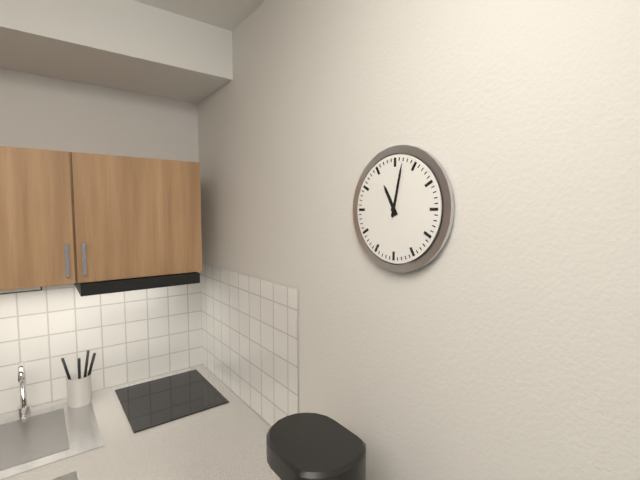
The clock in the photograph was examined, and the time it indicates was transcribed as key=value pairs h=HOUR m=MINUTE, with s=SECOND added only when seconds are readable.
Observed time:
h=11 m=2
